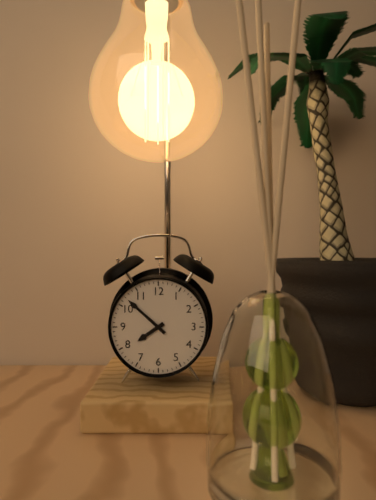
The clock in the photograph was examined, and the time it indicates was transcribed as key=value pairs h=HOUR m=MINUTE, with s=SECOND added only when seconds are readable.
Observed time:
h=7 m=52
